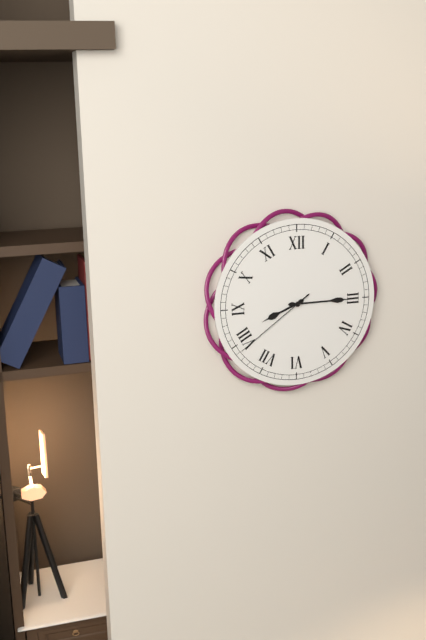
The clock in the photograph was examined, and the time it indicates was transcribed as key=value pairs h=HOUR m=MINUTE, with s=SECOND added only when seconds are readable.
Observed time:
h=8 m=15 s=39
